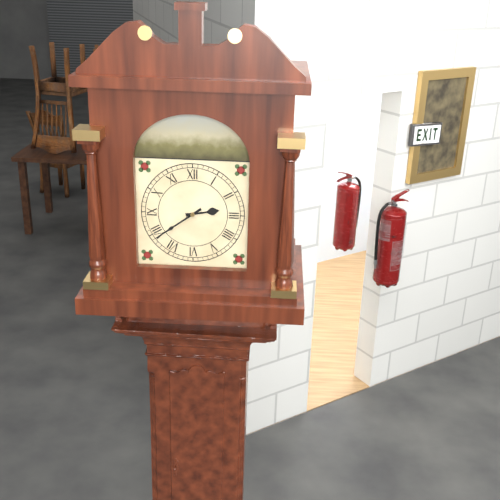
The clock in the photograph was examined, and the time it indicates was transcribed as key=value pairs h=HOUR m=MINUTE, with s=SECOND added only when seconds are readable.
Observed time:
h=2 m=39
